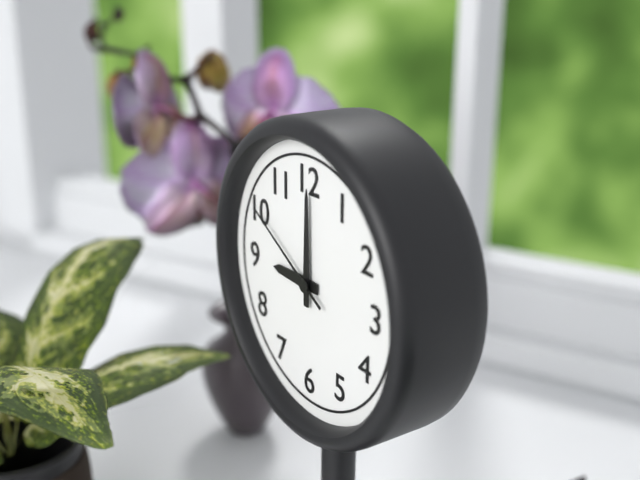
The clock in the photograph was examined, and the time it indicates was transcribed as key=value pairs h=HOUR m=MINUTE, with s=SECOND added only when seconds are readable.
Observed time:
h=9 m=0 s=50
